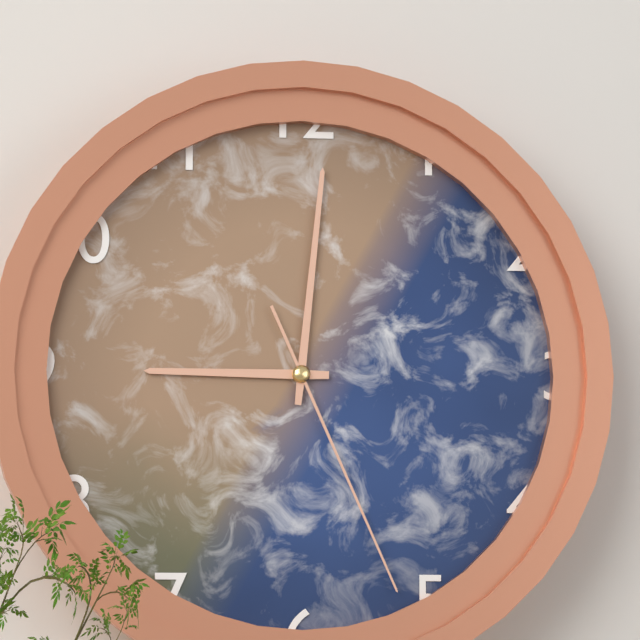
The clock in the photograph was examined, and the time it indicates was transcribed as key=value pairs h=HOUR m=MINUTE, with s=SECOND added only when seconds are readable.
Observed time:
h=9 m=1 s=26
